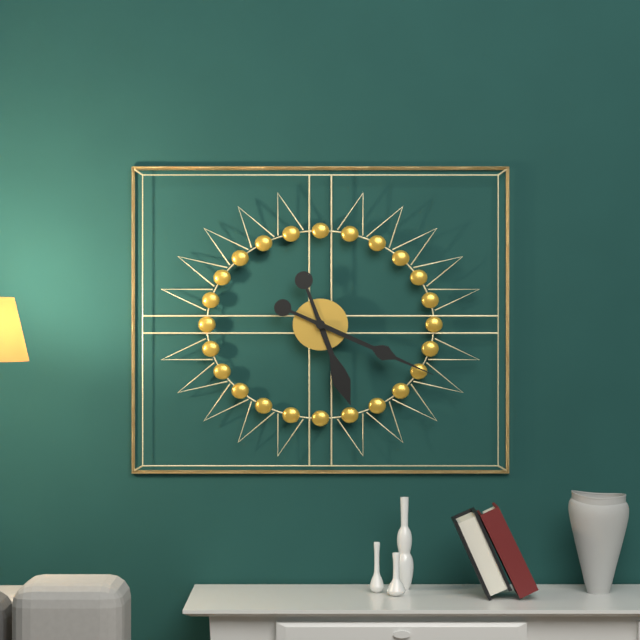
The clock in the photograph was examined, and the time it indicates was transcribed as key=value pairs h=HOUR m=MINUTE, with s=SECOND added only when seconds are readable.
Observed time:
h=5 m=19
